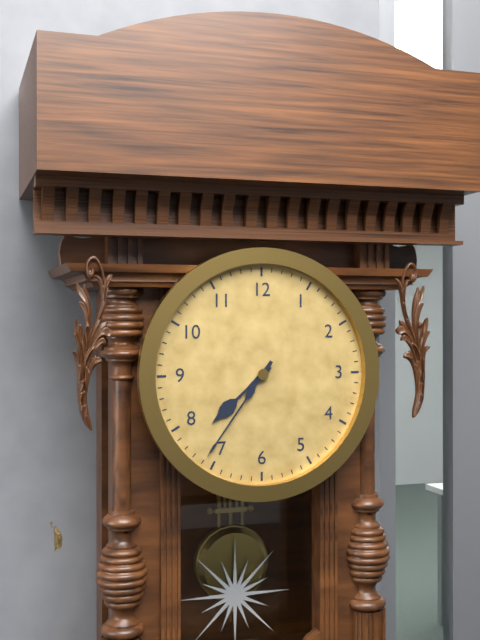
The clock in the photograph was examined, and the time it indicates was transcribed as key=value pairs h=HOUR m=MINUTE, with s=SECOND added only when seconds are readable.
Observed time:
h=7 m=36
